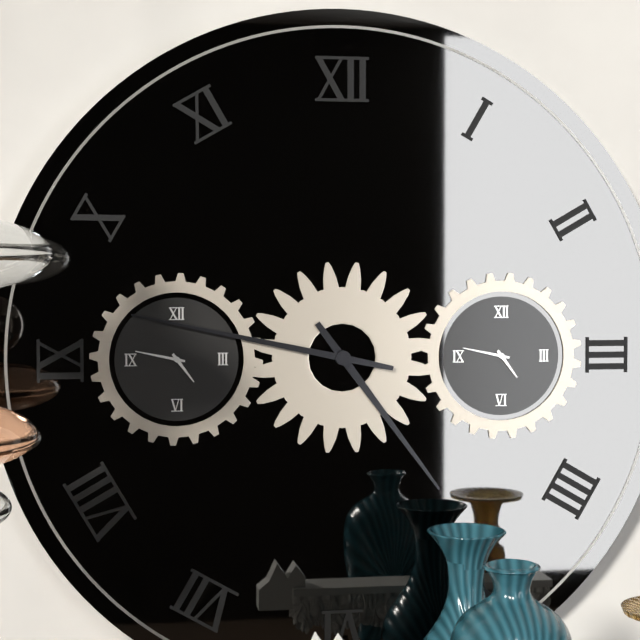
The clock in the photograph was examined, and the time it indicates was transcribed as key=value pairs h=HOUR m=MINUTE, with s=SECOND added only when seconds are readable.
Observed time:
h=4 m=47
